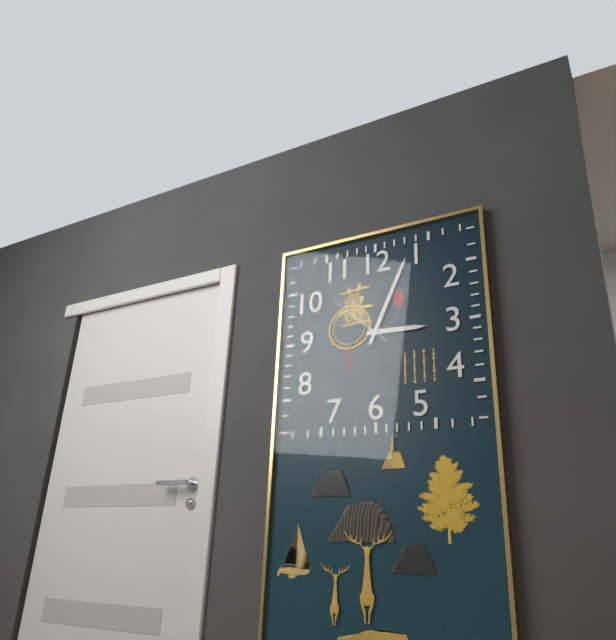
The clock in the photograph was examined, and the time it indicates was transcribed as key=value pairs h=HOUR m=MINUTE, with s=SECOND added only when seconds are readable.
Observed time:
h=3 m=4 s=52
